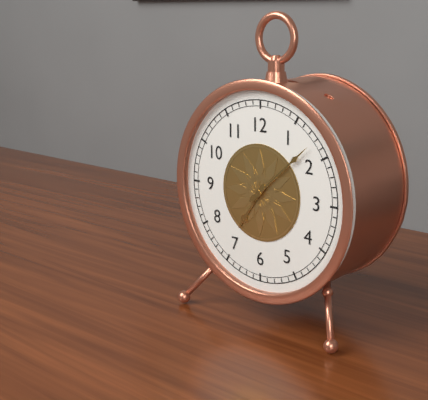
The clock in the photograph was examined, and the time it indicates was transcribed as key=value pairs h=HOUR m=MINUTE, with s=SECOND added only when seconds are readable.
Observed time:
h=7 m=8
